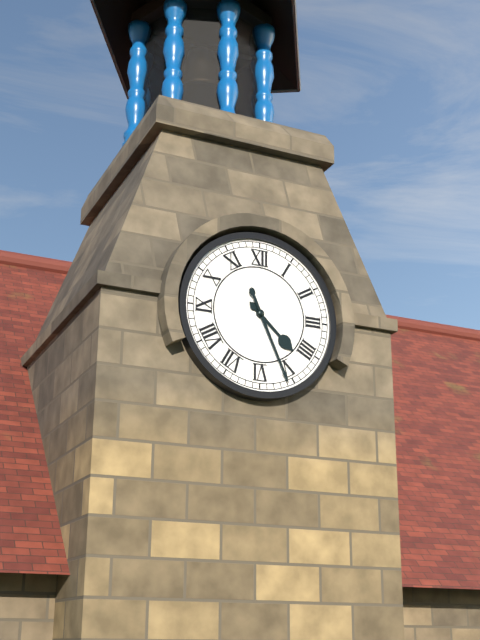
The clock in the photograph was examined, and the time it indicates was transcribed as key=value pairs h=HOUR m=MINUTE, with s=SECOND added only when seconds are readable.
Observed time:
h=4 m=26
